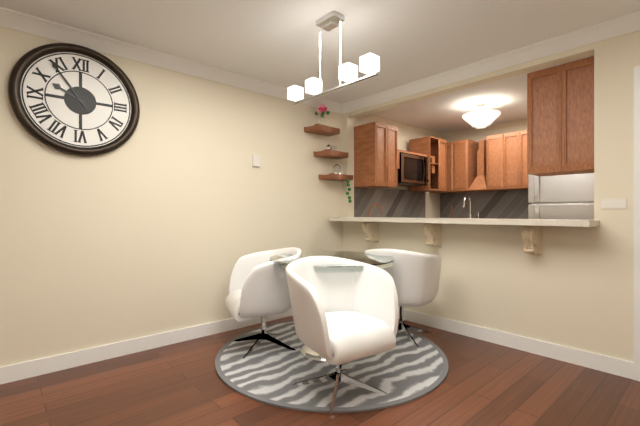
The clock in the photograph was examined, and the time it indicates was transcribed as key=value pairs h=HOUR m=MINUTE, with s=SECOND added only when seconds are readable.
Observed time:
h=9 m=54
